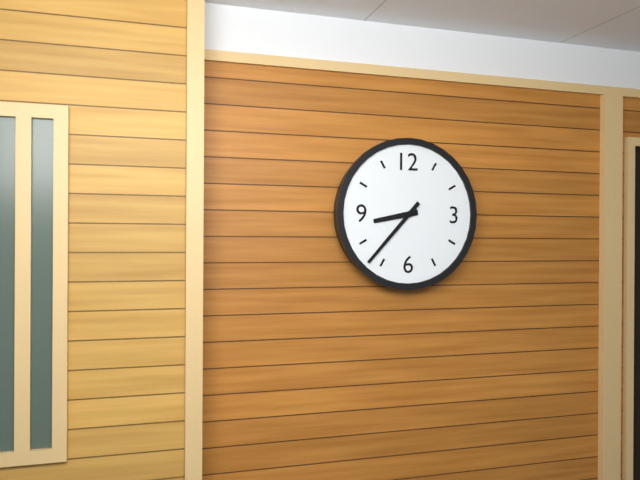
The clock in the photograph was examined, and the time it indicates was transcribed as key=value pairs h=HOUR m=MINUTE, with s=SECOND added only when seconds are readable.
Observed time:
h=8 m=37
